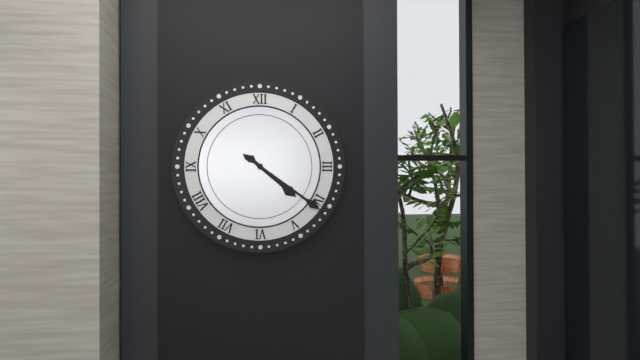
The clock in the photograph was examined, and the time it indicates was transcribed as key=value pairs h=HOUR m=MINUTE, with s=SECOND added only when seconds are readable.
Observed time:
h=4 m=21
